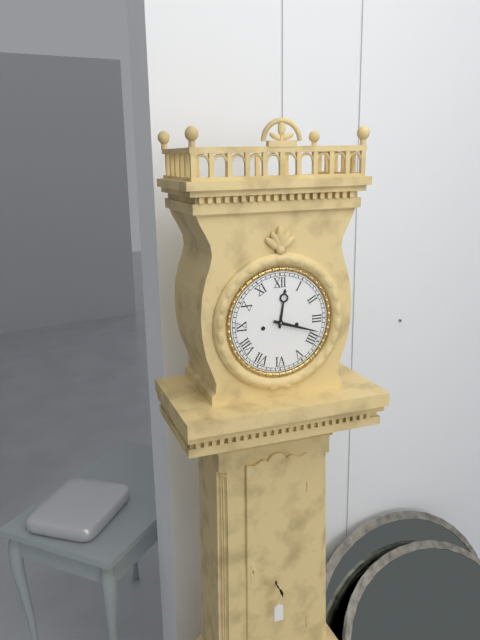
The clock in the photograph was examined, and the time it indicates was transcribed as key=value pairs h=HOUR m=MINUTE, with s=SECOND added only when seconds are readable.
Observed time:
h=12 m=18
